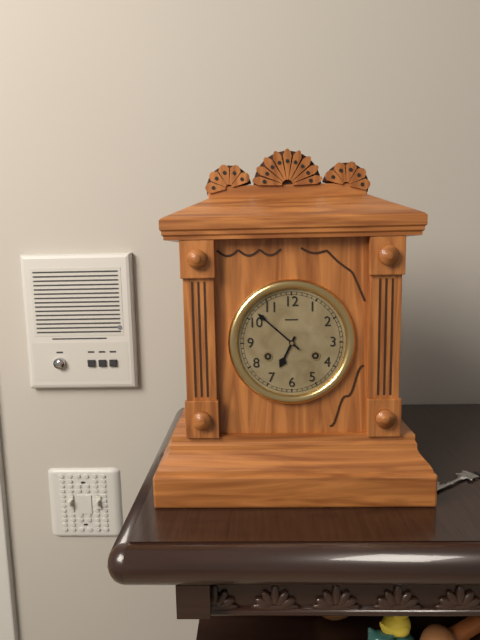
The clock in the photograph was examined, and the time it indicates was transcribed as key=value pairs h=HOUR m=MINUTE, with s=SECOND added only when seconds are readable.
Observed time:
h=6 m=52
